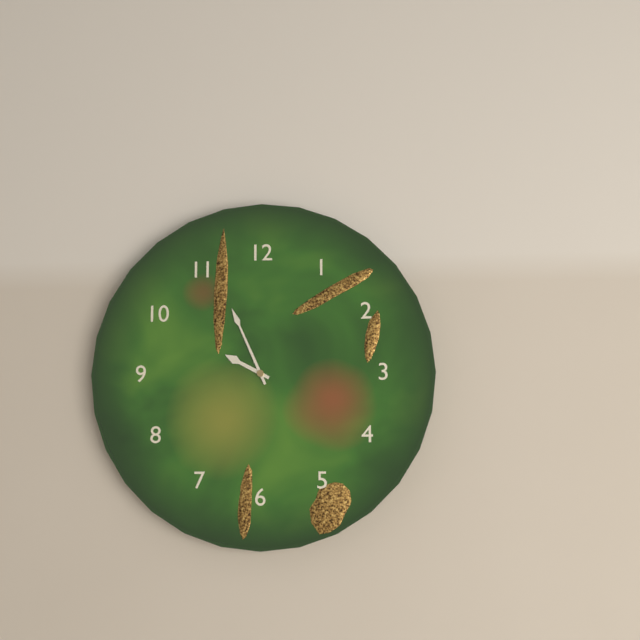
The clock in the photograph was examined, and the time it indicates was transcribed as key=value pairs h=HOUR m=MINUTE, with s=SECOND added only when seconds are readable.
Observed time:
h=9 m=56
